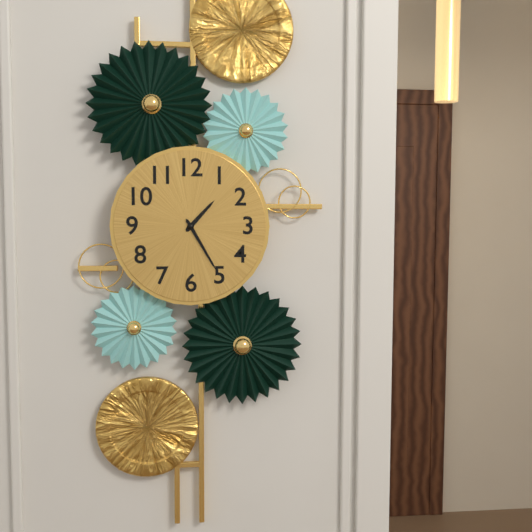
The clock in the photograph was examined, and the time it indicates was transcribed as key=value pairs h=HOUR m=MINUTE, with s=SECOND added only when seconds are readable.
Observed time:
h=1 m=25
